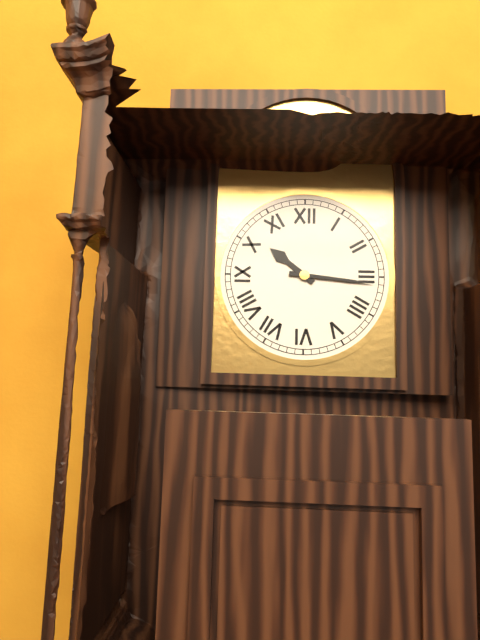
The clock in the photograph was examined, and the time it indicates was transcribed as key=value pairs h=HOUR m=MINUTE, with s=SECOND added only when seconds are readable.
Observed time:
h=10 m=16
